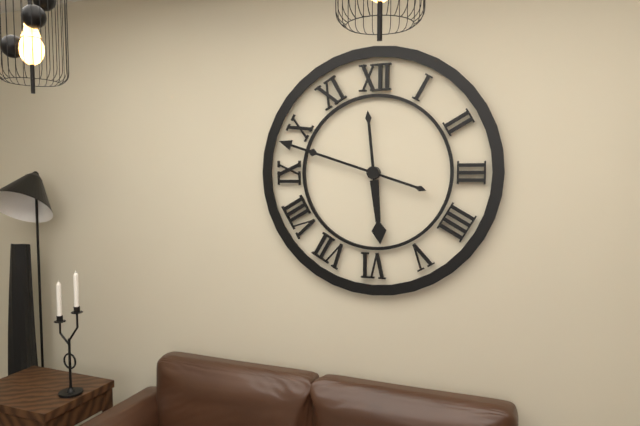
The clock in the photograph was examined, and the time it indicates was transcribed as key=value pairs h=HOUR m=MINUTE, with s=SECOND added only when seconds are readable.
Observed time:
h=5 m=48
